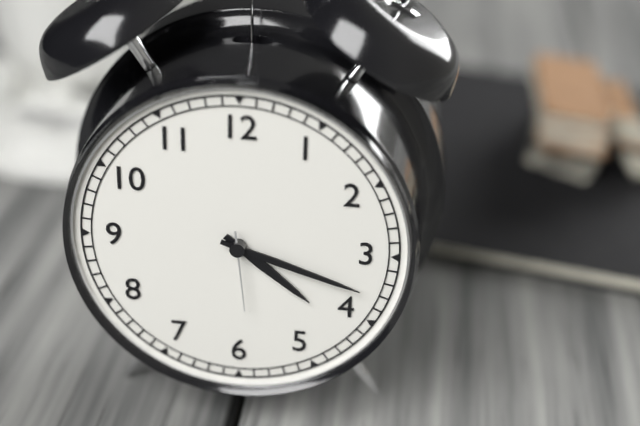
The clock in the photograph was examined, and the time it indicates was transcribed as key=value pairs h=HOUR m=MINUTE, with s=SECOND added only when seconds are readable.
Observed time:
h=4 m=18 s=29
